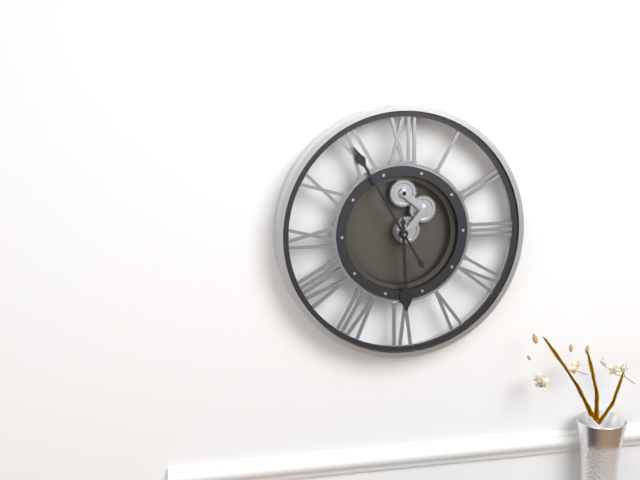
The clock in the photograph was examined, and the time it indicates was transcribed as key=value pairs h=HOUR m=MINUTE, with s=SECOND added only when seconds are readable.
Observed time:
h=5 m=55
